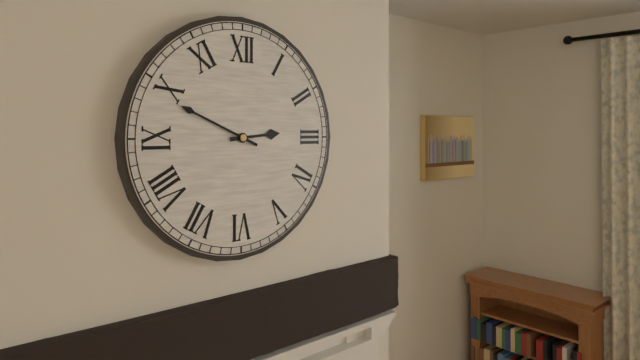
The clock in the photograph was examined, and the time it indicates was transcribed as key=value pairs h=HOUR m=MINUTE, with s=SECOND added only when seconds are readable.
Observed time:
h=2 m=49
